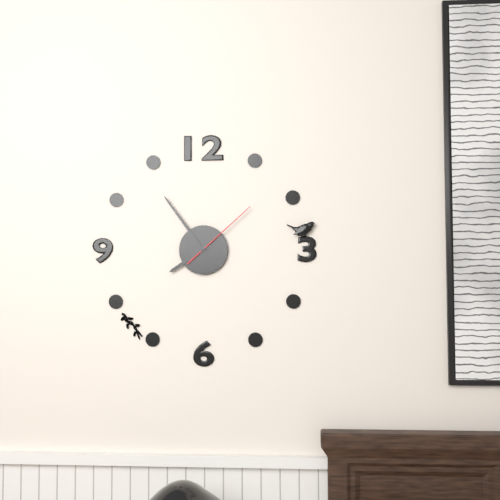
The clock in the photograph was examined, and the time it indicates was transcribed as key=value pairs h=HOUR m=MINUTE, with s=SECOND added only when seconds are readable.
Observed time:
h=7 m=54 s=8
